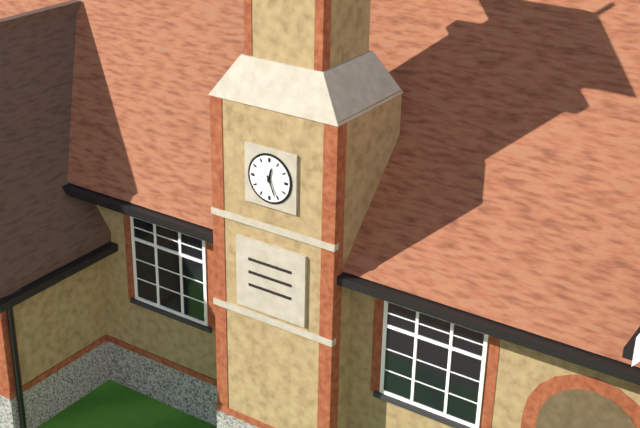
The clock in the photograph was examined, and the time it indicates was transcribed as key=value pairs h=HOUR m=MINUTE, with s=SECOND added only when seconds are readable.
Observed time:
h=12 m=26
